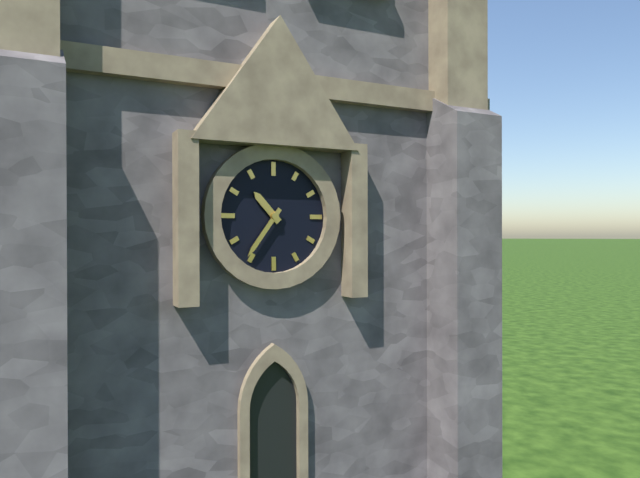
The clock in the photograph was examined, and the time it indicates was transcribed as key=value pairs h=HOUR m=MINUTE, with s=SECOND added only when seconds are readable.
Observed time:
h=10 m=36
